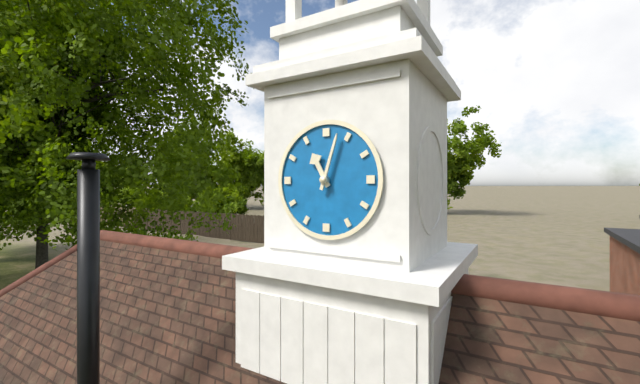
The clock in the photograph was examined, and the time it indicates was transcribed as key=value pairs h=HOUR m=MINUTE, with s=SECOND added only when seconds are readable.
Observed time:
h=11 m=3
